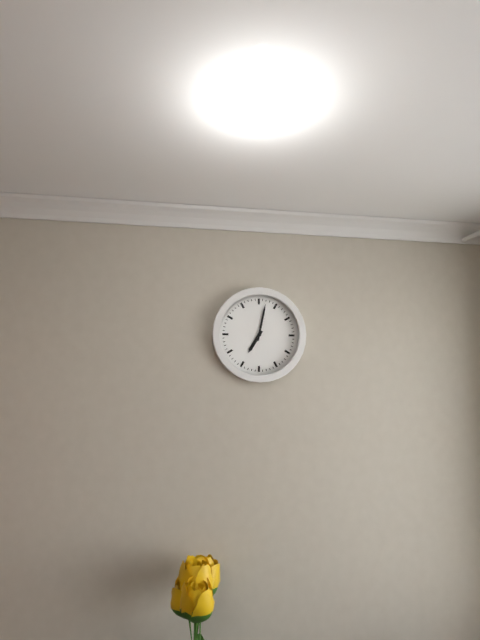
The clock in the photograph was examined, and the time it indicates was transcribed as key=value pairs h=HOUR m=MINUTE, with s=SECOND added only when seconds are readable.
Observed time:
h=7 m=2
